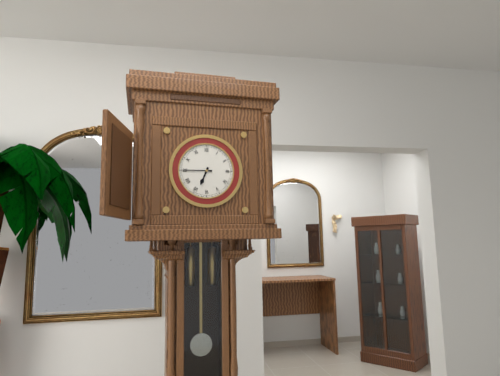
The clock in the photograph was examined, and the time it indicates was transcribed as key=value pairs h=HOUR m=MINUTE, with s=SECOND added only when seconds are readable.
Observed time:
h=6 m=45
